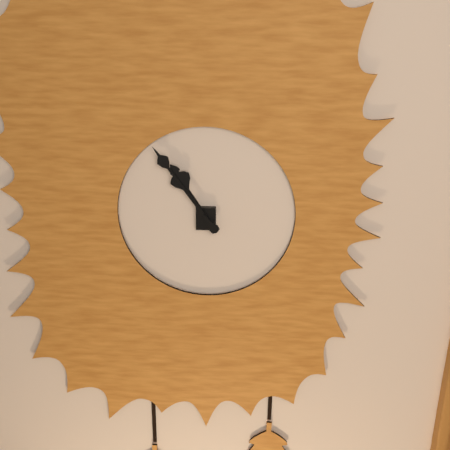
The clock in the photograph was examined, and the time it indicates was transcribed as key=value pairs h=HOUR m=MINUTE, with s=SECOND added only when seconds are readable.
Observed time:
h=10 m=54
